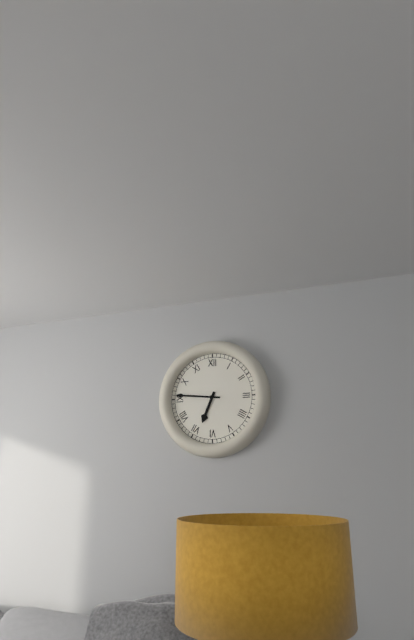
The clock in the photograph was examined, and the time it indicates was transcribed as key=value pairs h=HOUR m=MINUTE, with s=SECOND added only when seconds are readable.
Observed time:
h=6 m=46
